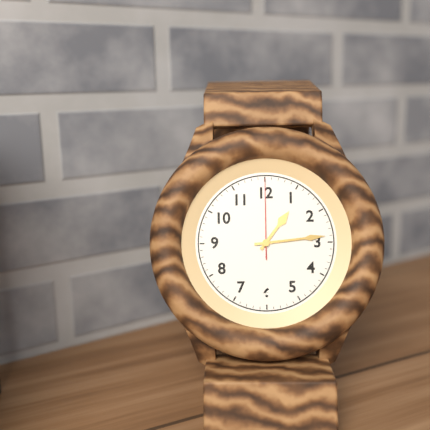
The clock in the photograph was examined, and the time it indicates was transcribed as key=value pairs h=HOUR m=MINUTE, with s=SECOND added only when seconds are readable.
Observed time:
h=1 m=14 s=0
